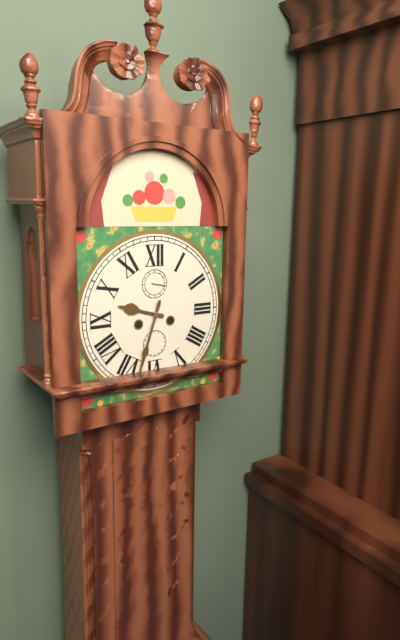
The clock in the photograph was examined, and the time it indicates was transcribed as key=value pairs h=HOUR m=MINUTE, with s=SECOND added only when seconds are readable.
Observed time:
h=9 m=33
